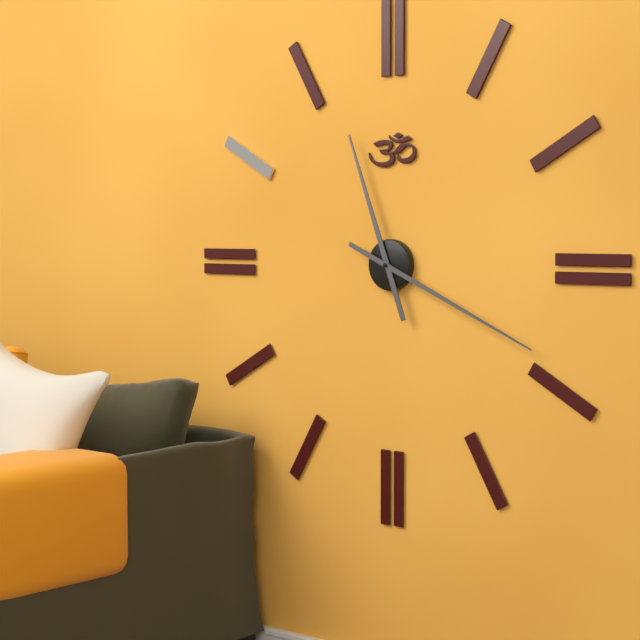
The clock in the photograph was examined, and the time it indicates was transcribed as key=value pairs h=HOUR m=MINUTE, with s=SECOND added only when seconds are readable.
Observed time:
h=11 m=19
